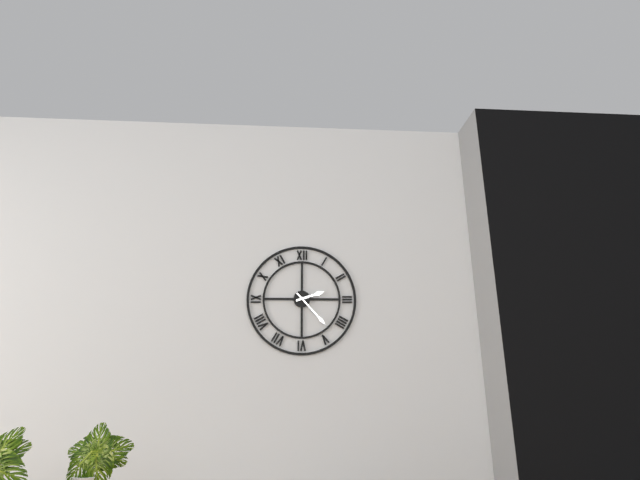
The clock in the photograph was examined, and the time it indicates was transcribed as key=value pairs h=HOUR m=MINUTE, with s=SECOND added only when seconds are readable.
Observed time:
h=2 m=23
